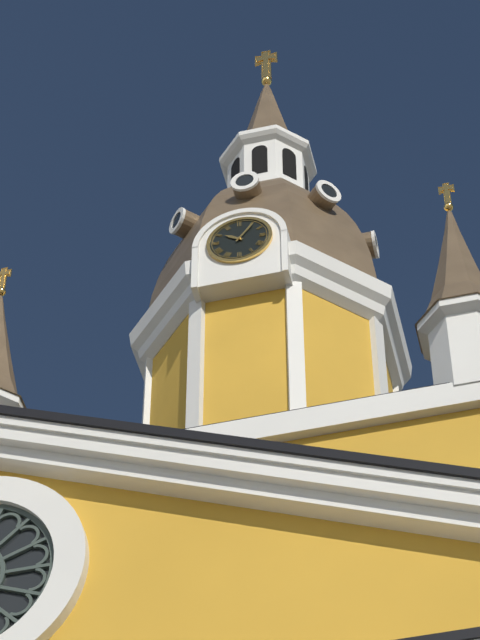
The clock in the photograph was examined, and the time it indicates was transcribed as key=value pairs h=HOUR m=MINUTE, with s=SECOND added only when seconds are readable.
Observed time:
h=10 m=6
